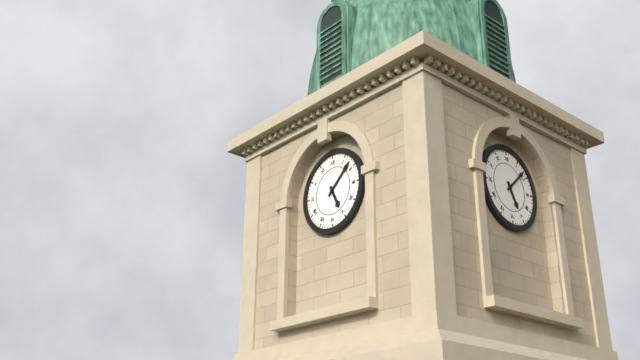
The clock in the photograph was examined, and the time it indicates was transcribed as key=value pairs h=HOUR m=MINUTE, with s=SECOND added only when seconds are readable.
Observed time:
h=5 m=8
